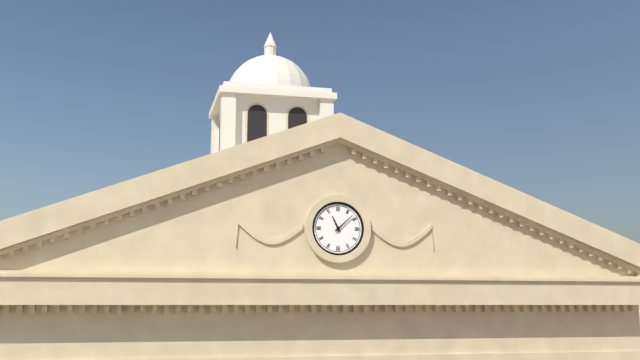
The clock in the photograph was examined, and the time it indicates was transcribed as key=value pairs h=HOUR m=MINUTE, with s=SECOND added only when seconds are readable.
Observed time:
h=11 m=8
